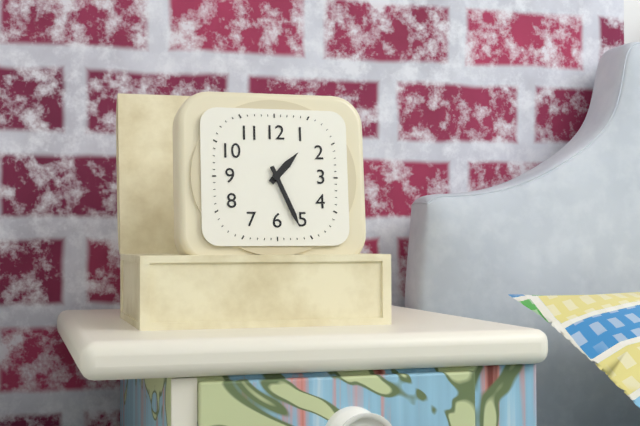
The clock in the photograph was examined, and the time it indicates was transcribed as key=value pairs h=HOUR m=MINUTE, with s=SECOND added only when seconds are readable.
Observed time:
h=1 m=26
